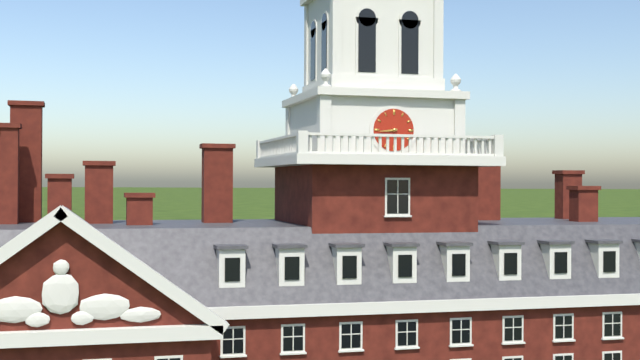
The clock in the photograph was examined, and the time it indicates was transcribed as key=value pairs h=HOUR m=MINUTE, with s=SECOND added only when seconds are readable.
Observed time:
h=8 m=44
